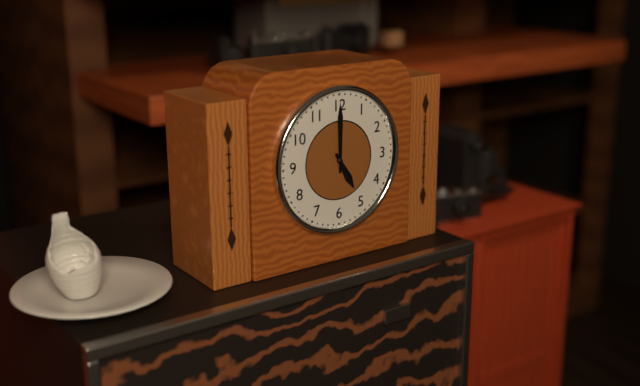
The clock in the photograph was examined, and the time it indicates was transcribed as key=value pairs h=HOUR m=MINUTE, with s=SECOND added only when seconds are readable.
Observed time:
h=5 m=0
